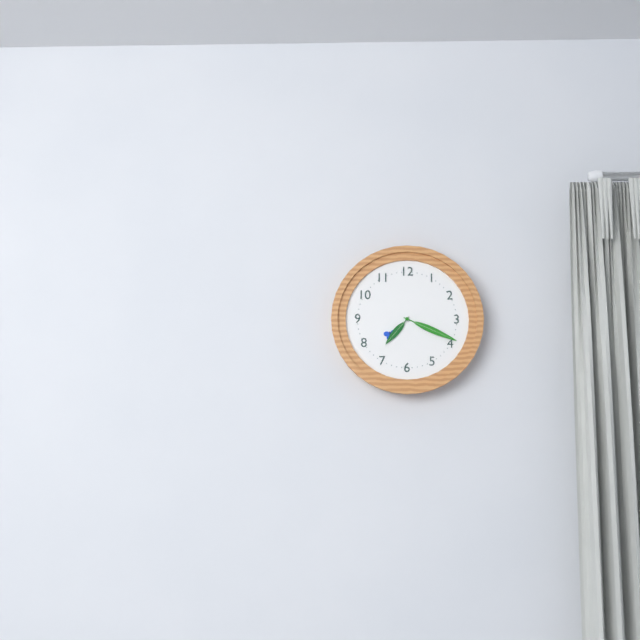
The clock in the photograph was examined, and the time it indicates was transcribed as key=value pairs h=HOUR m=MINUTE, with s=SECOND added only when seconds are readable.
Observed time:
h=7 m=19
